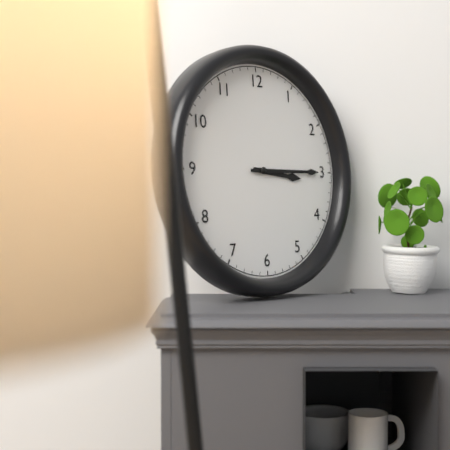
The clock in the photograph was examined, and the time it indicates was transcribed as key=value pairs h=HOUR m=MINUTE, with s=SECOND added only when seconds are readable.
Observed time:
h=3 m=15
